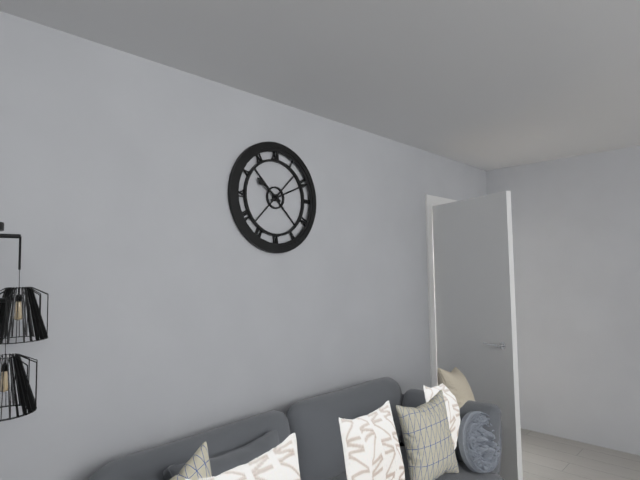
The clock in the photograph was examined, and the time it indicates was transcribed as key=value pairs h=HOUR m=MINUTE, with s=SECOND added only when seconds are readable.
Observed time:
h=10 m=11
